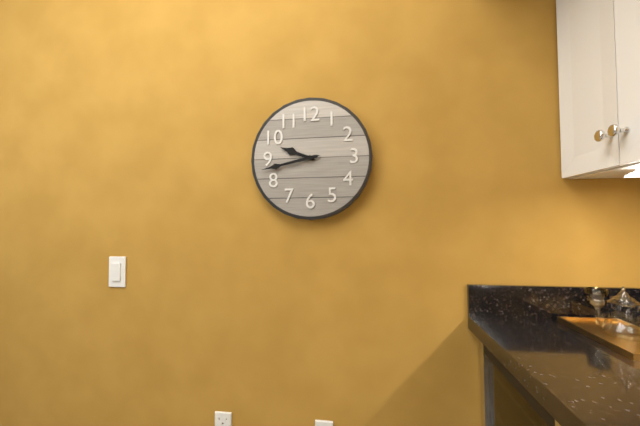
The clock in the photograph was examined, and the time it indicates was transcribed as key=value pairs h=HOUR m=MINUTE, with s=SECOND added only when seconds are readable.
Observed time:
h=9 m=43
